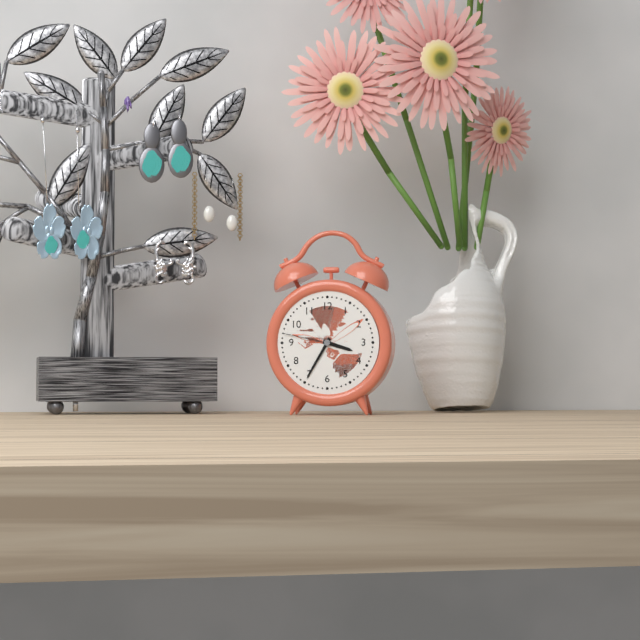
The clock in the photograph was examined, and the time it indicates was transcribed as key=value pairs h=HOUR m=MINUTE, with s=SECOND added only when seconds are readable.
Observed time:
h=3 m=35 s=47
